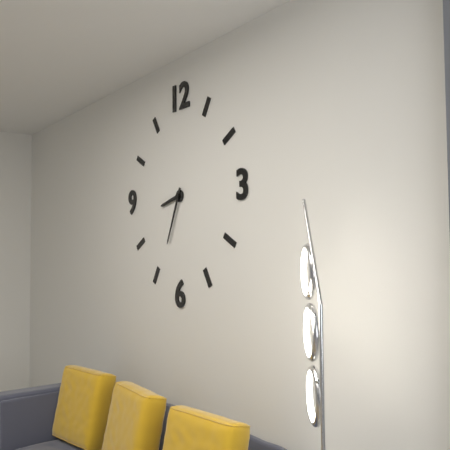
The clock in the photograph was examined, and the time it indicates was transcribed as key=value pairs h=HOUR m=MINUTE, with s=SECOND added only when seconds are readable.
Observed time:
h=8 m=34
